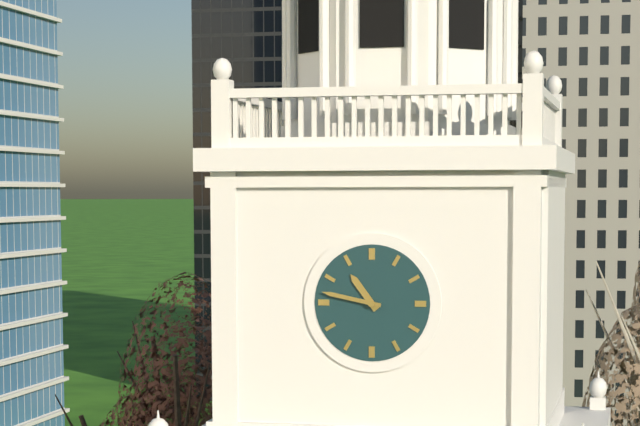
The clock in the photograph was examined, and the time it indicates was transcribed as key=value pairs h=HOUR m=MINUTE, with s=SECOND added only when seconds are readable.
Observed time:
h=10 m=47
